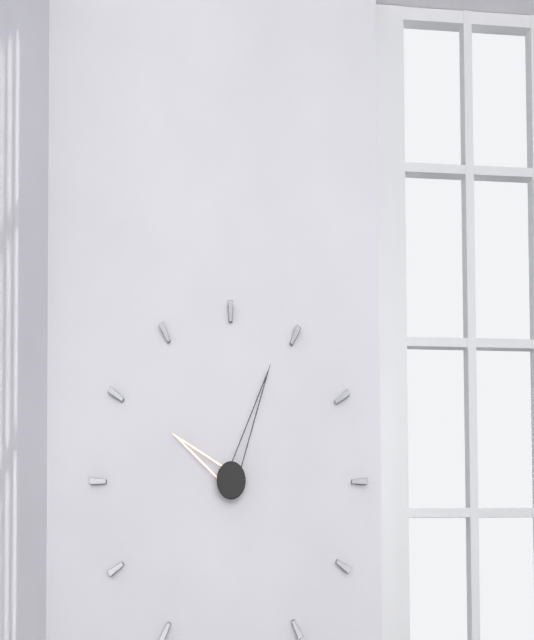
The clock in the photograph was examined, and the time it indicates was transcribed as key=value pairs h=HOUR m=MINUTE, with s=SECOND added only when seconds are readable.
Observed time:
h=10 m=4
